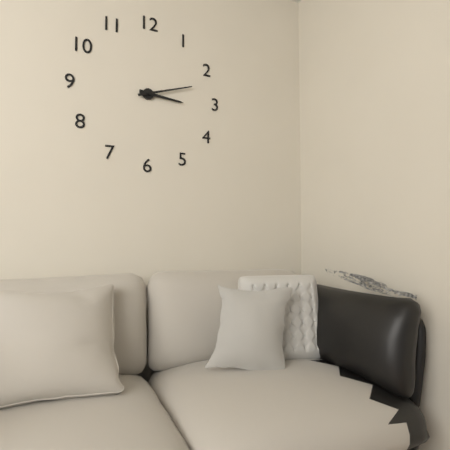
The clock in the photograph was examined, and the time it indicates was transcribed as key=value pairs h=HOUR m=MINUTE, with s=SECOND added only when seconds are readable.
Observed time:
h=3 m=12
